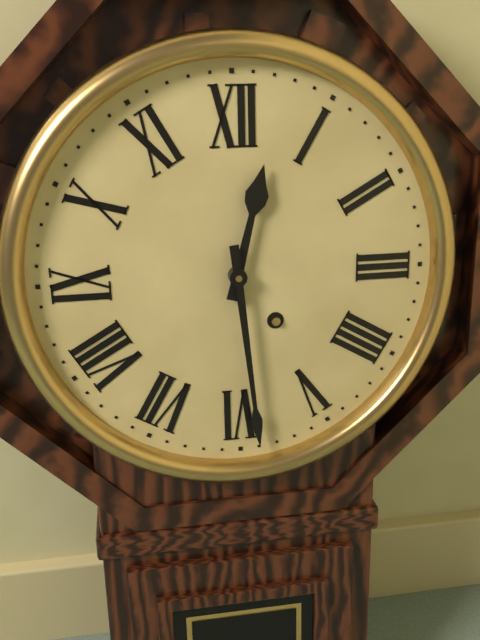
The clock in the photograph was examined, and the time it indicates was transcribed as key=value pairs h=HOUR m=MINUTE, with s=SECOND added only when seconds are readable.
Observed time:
h=12 m=29
